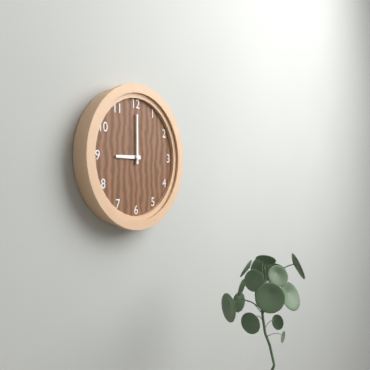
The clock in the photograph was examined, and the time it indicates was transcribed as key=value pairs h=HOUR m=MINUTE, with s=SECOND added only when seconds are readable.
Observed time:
h=9 m=0
